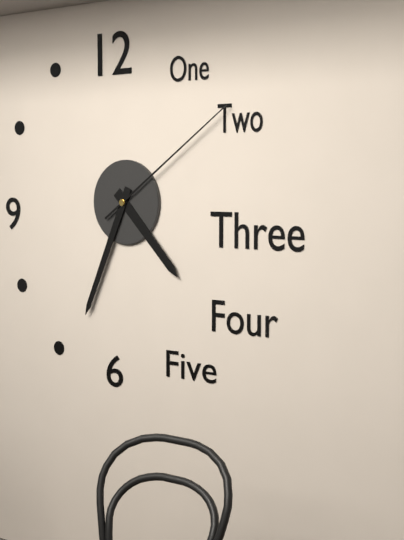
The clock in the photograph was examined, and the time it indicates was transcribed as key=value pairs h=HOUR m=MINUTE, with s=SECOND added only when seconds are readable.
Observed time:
h=4 m=34 s=9
